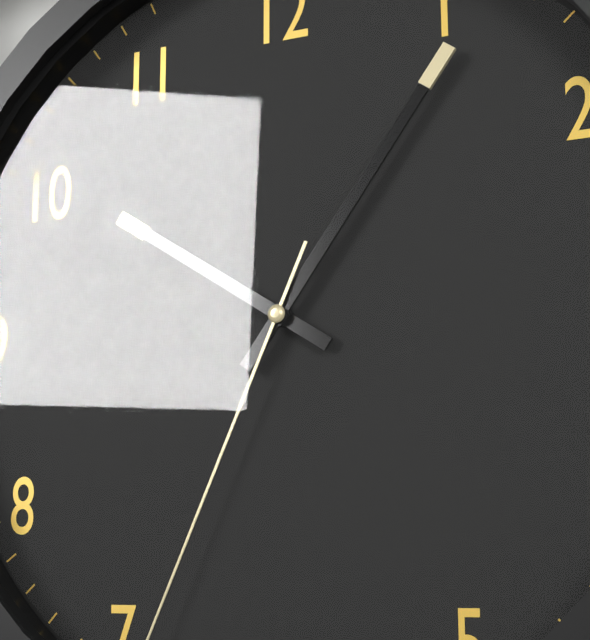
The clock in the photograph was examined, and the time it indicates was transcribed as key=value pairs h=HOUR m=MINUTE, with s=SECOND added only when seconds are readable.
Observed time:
h=10 m=6
